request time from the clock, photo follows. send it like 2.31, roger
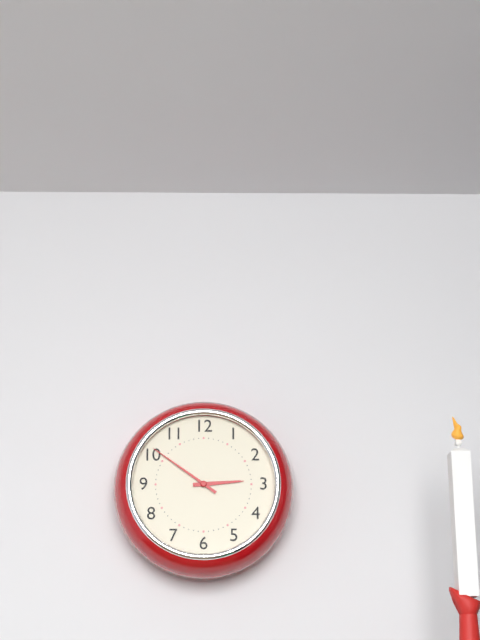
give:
2.51
